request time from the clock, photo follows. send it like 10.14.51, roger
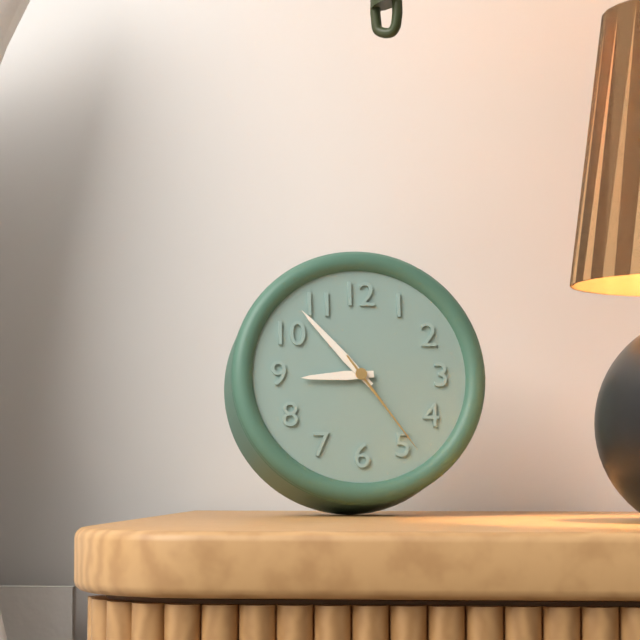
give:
8.53.24
